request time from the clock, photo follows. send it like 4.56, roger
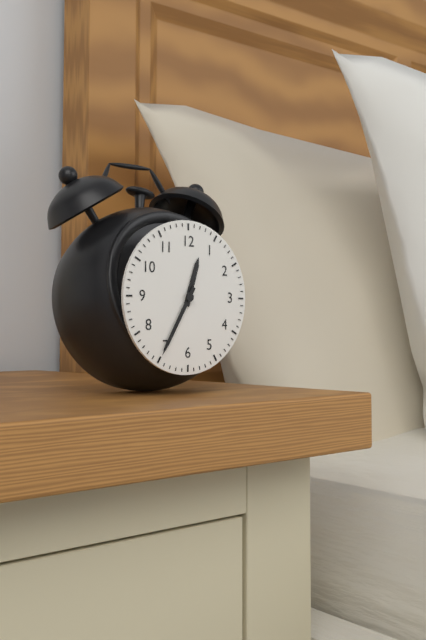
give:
12.35
